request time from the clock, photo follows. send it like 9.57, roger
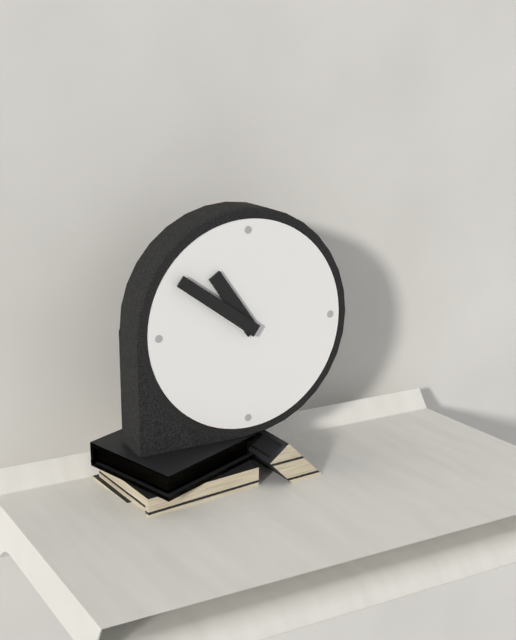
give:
10.51
